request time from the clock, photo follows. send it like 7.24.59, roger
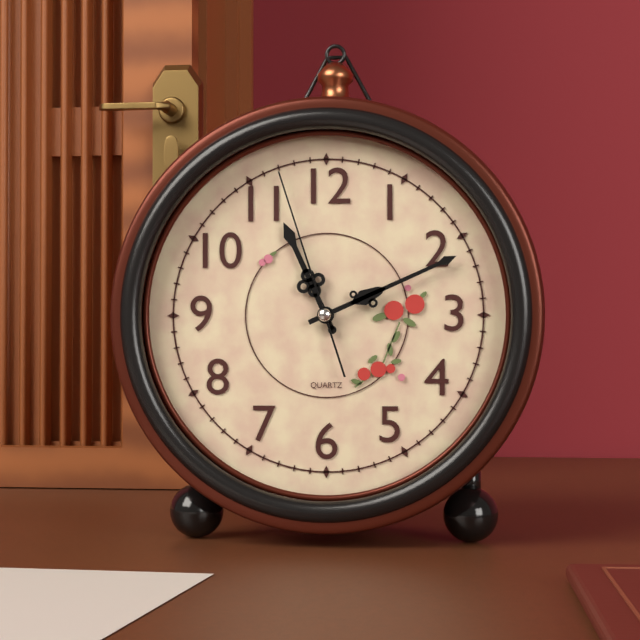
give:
11.11.57
